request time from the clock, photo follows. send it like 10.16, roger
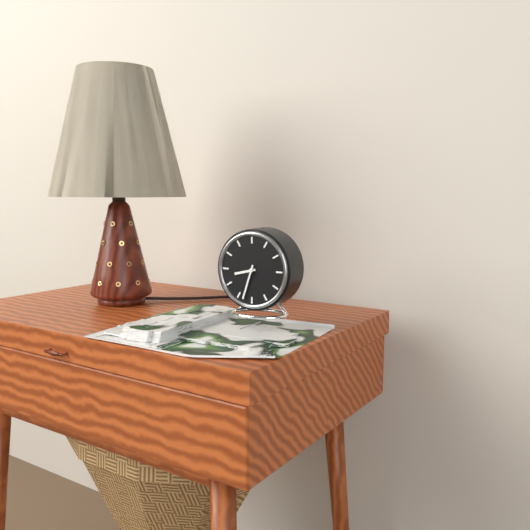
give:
8.33
